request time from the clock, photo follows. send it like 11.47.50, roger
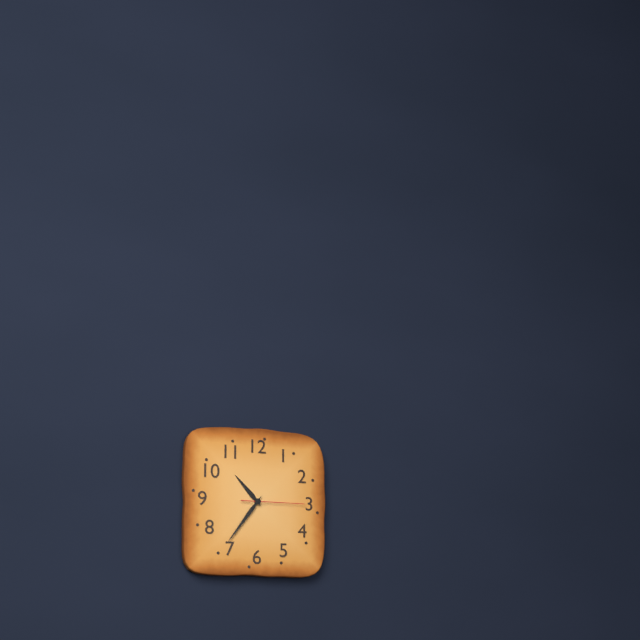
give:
10.36.15
